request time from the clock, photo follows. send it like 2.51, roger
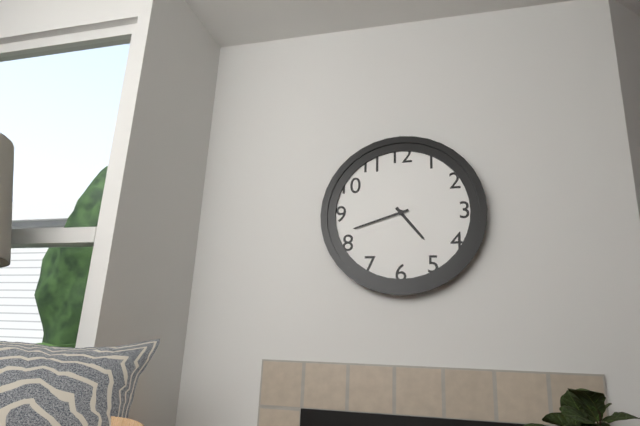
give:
4.42
